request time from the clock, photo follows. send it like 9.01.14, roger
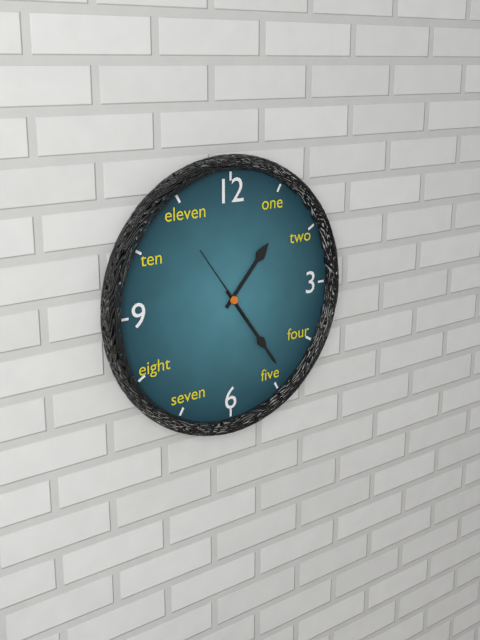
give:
1.24.54
